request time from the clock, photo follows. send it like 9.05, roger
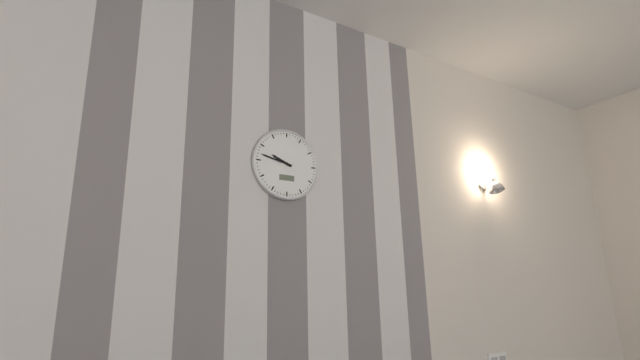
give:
9.47
